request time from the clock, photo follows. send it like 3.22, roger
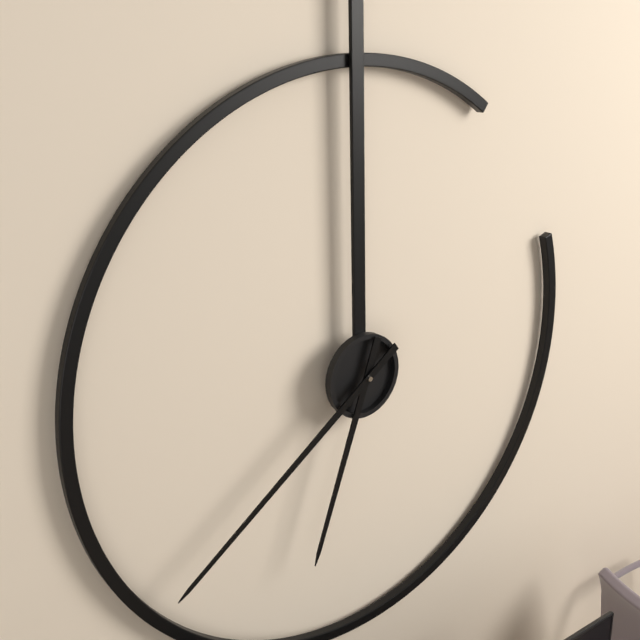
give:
6.39
